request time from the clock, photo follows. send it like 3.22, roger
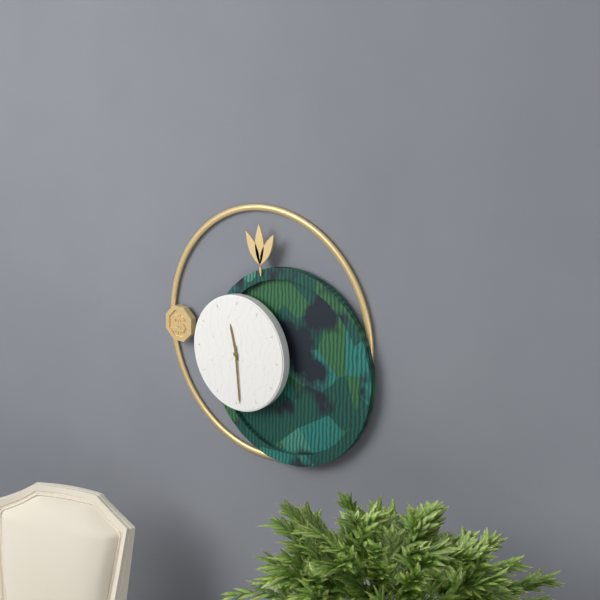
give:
11.29
